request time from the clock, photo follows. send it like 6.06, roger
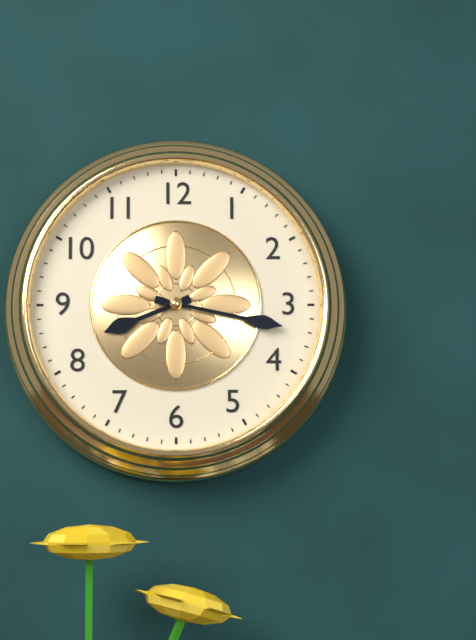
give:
8.17
